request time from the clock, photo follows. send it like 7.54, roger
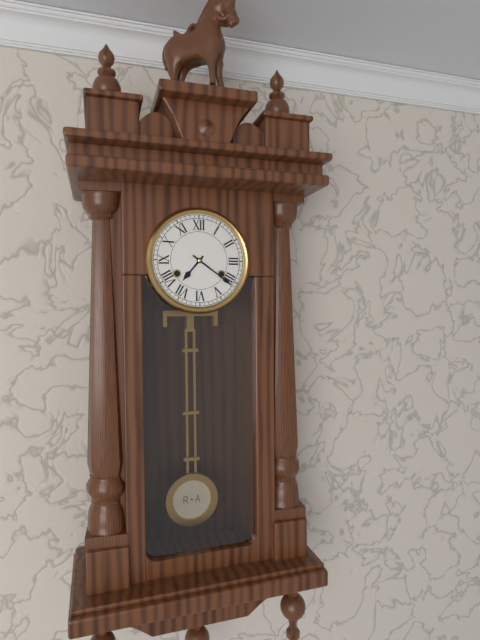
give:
7.21
